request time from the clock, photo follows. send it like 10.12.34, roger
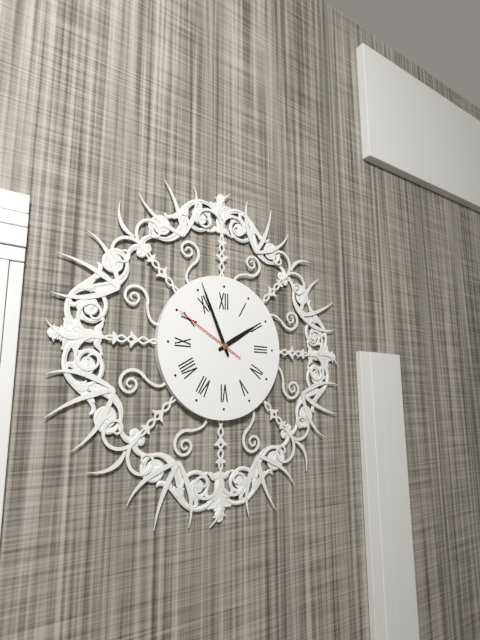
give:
1.56.50
